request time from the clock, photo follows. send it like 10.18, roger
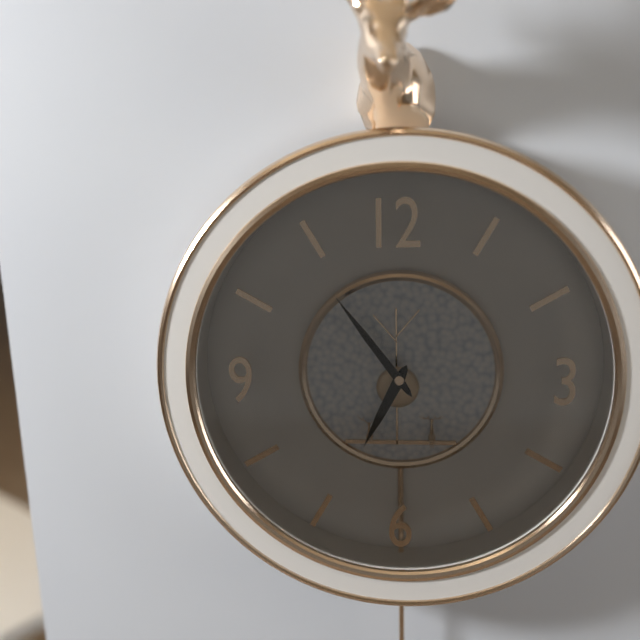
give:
6.54
